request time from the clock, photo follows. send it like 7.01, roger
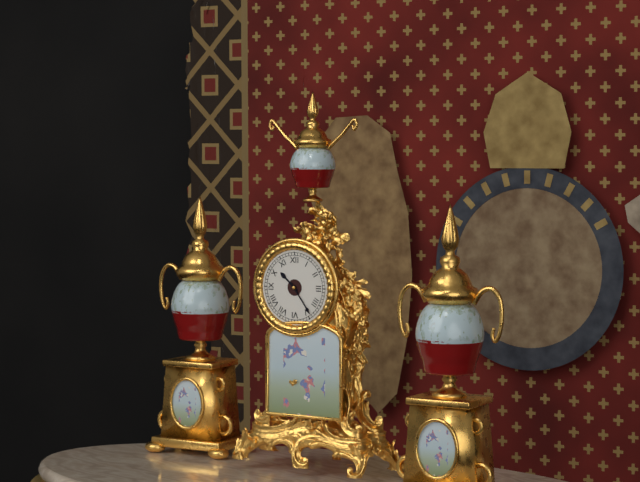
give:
10.24
